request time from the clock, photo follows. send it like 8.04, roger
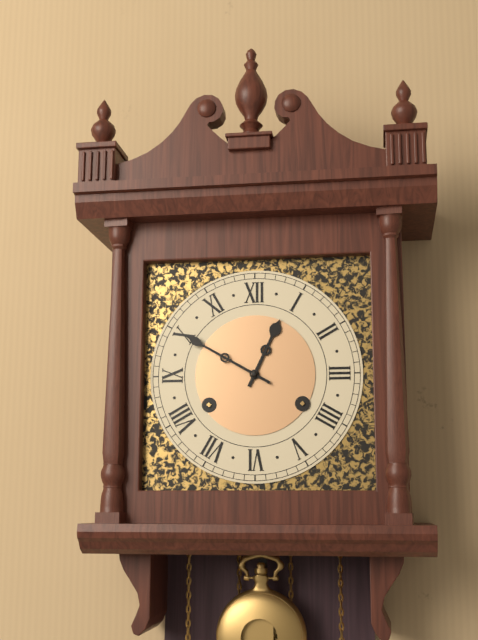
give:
12.50
